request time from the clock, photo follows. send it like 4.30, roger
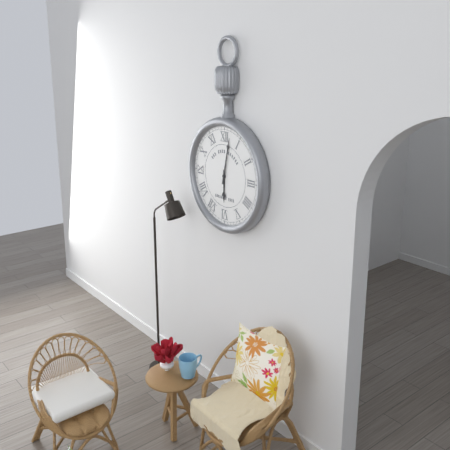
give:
6.02
